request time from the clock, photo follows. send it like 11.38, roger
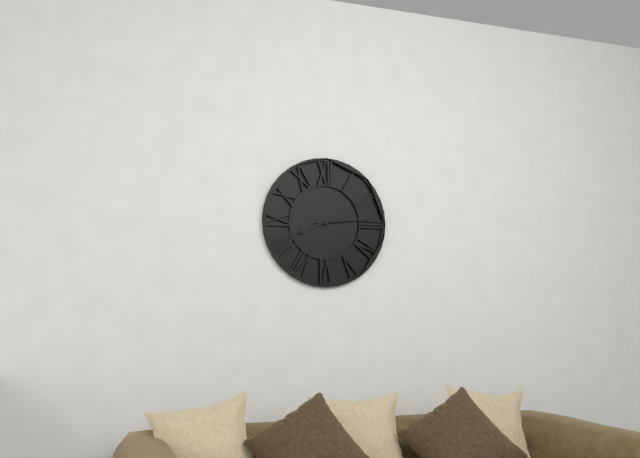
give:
8.14
